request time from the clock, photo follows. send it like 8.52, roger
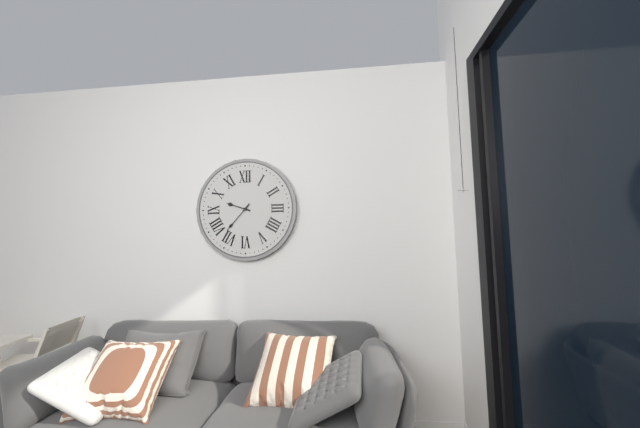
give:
9.37
